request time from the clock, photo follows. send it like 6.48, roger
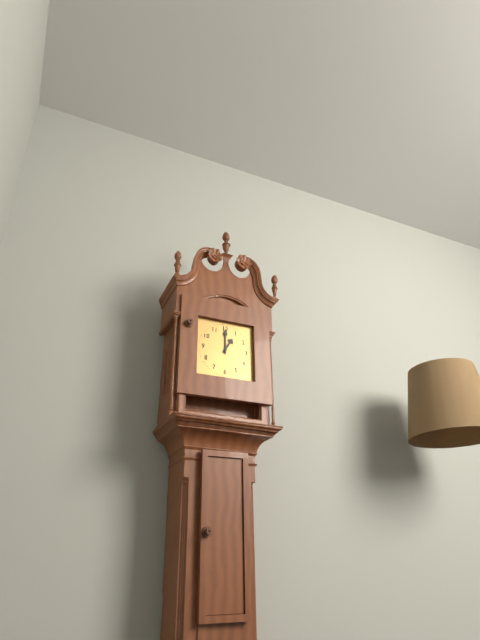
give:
1.00
